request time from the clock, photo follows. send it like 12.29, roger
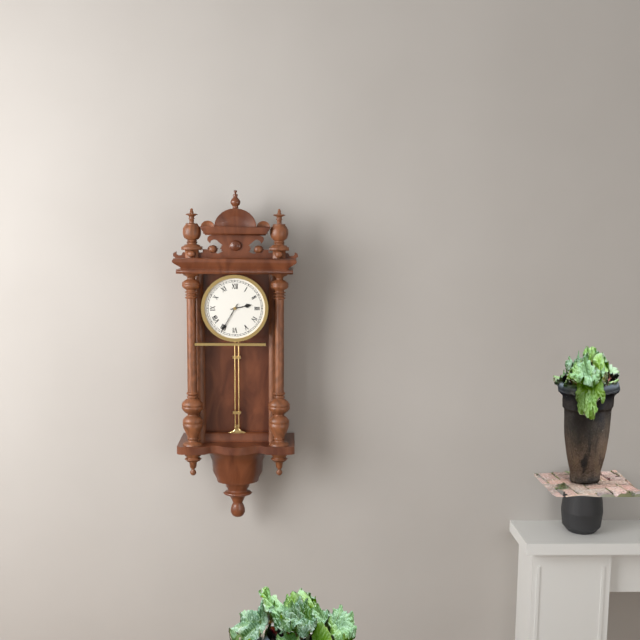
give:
2.35
